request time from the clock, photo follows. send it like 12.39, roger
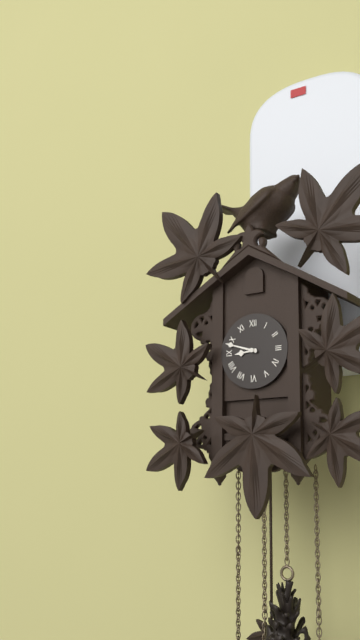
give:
8.48
